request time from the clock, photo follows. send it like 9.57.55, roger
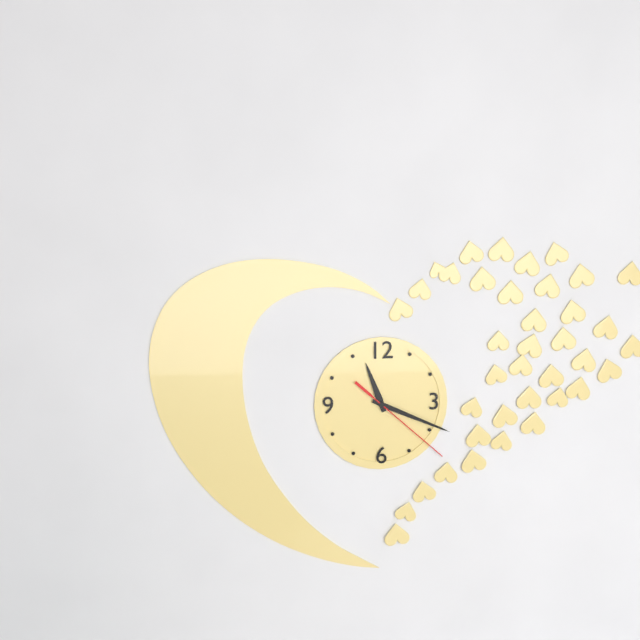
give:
11.19.22
